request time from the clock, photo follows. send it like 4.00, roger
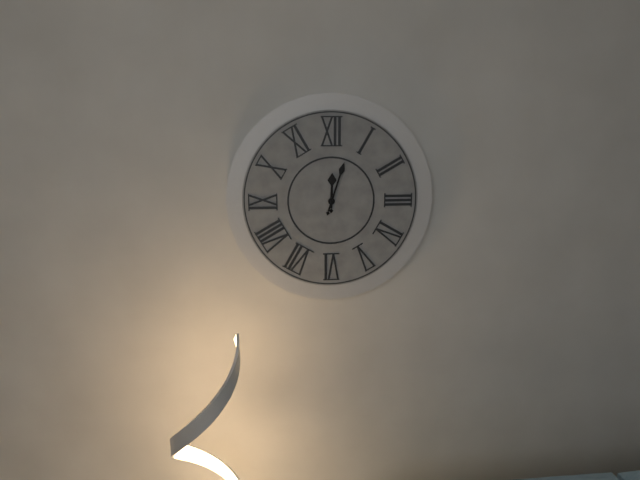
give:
12.03
